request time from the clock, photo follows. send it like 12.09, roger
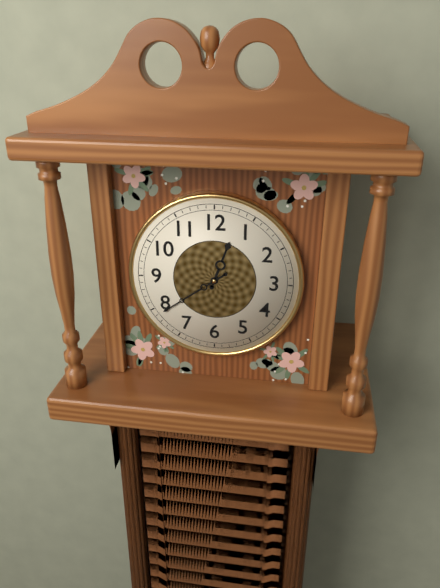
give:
12.39
